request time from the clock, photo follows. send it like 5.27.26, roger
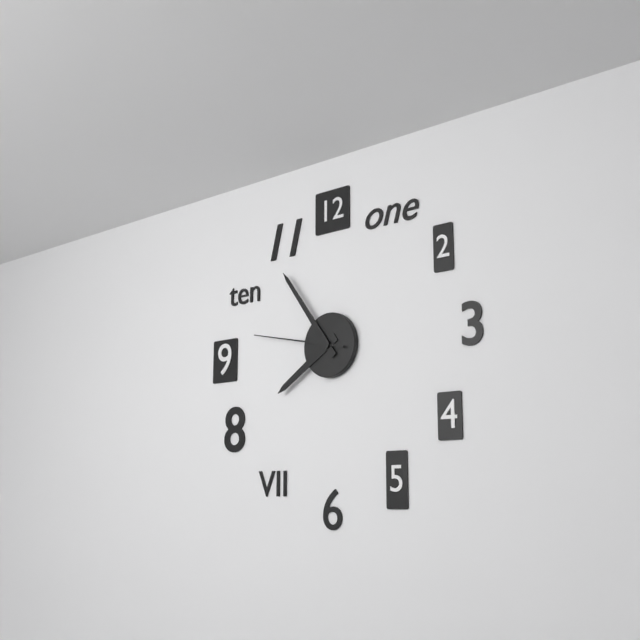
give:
7.54.47
